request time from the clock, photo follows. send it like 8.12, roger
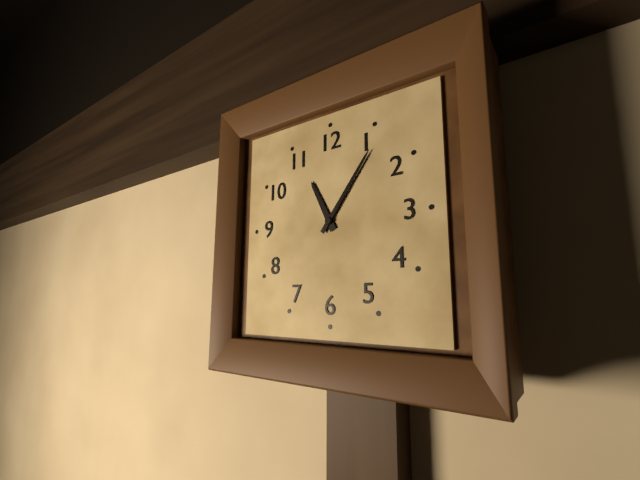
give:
11.06
